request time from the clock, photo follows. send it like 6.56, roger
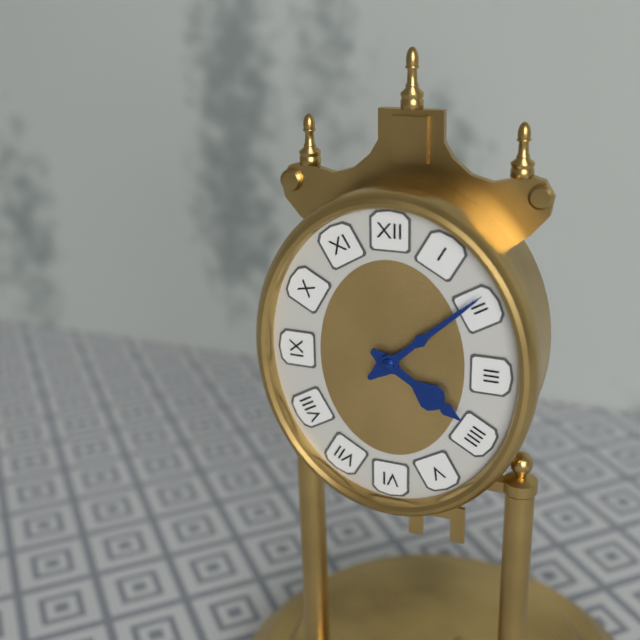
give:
4.08
